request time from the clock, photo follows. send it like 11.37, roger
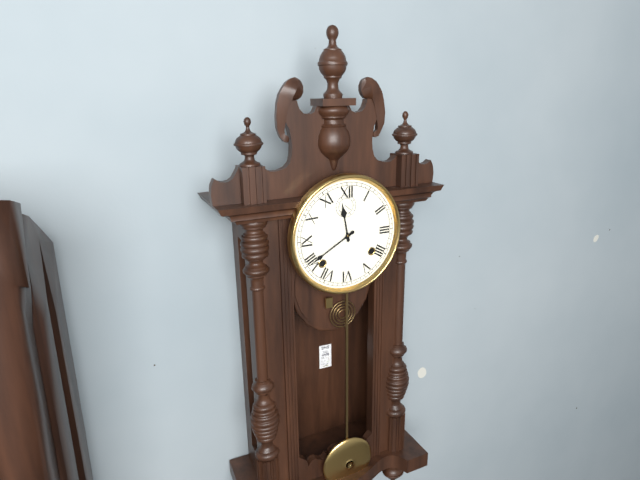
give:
11.40
